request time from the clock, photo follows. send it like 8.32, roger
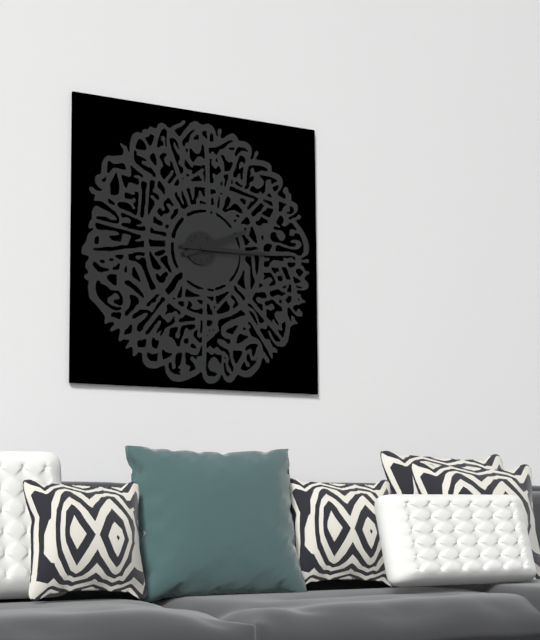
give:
2.15
